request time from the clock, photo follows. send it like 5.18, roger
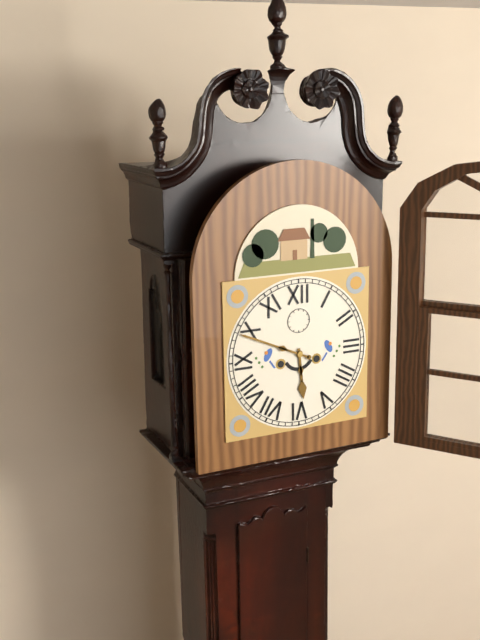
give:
5.49
